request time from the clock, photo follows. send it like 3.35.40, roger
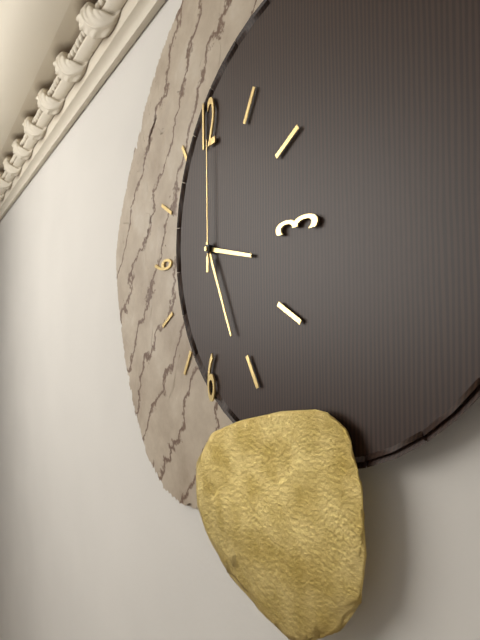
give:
3.26.00
